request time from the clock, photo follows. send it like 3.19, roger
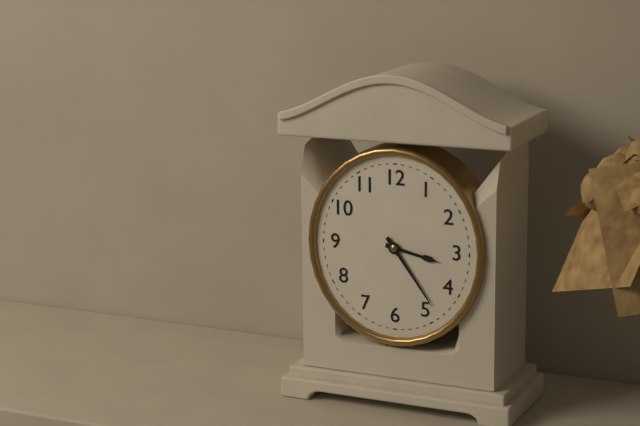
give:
3.24
